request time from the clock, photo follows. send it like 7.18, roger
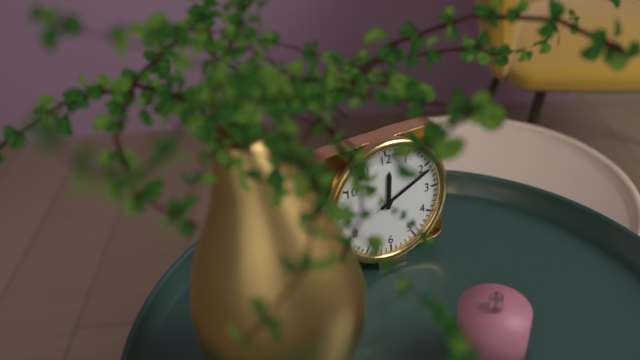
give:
12.11
